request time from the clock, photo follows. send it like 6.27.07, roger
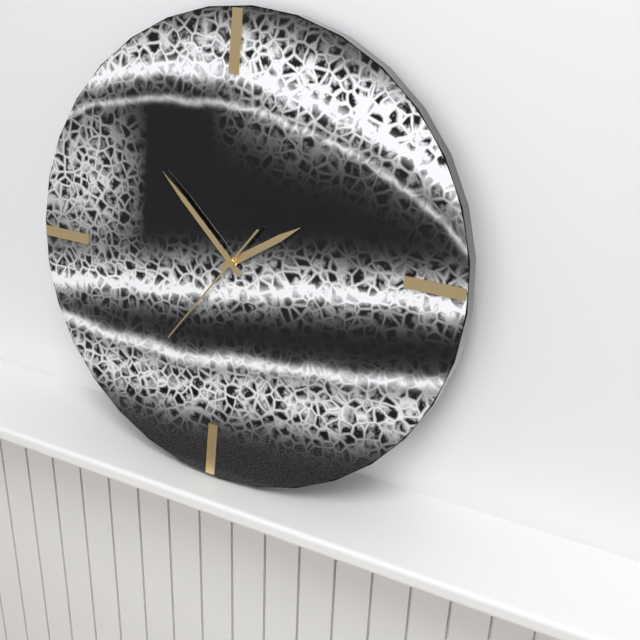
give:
1.52.36
